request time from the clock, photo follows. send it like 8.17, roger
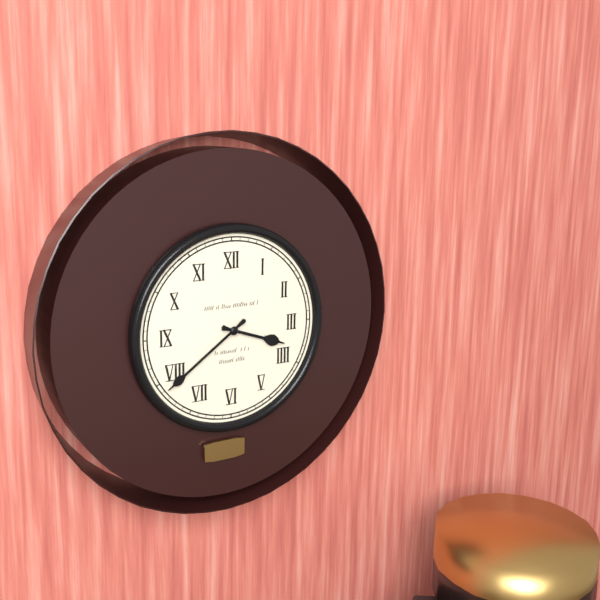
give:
3.39
